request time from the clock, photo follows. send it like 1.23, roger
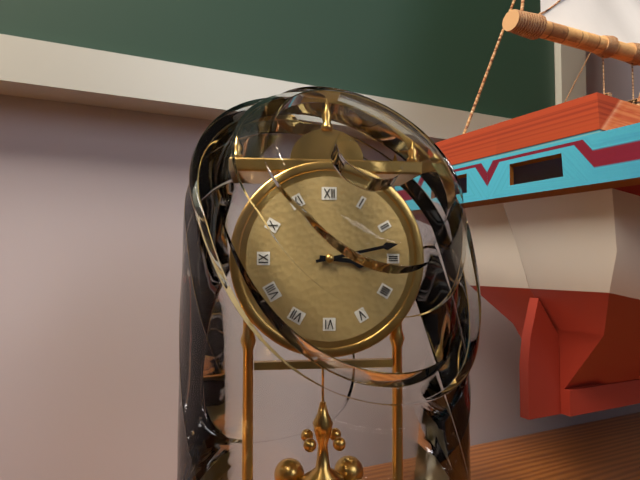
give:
3.13
